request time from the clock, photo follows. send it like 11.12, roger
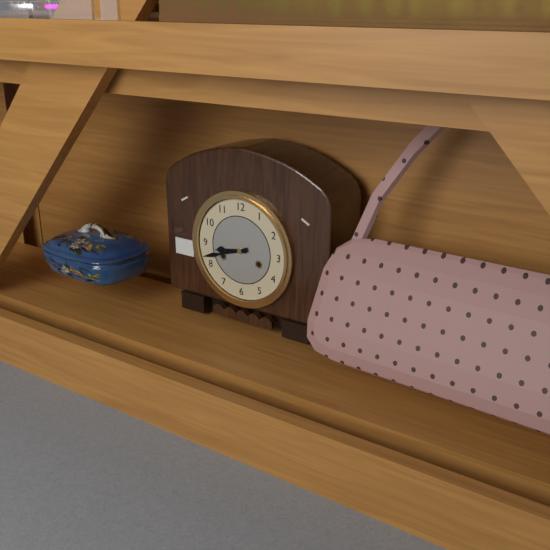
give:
8.42
